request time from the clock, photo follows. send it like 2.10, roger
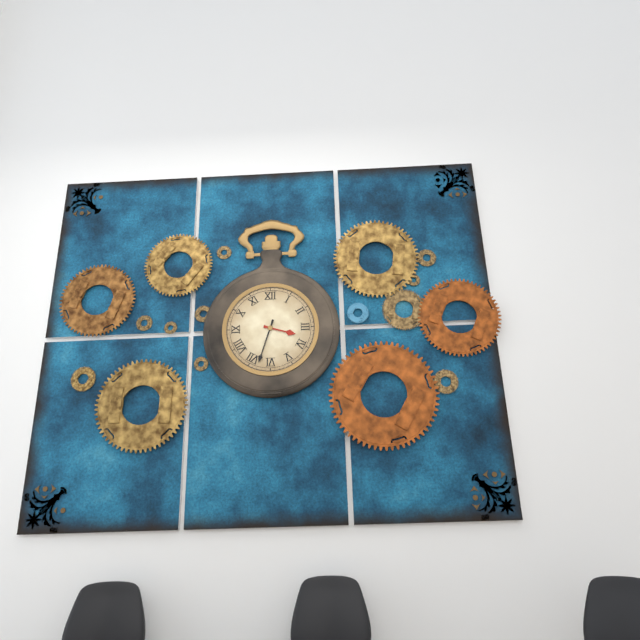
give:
3.33
